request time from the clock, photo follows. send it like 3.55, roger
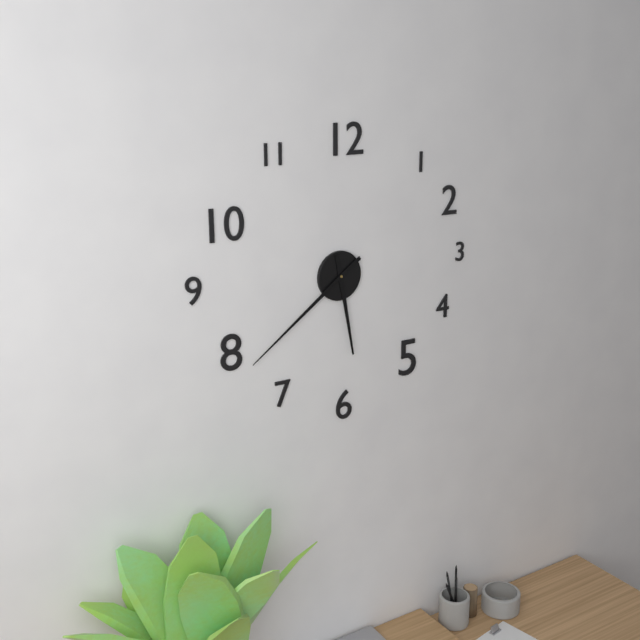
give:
5.39
